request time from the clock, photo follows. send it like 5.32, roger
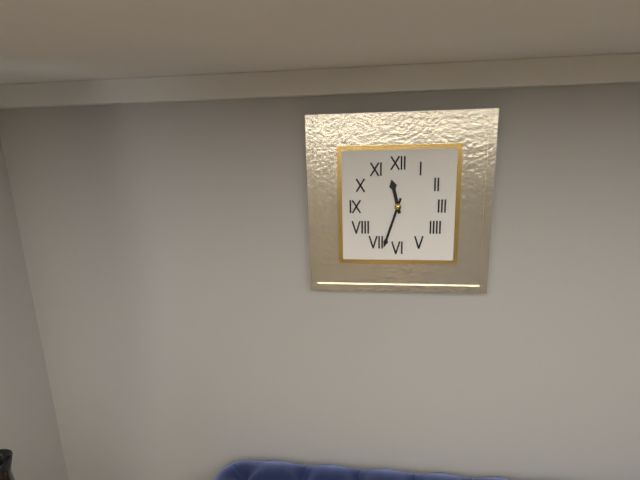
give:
11.33
